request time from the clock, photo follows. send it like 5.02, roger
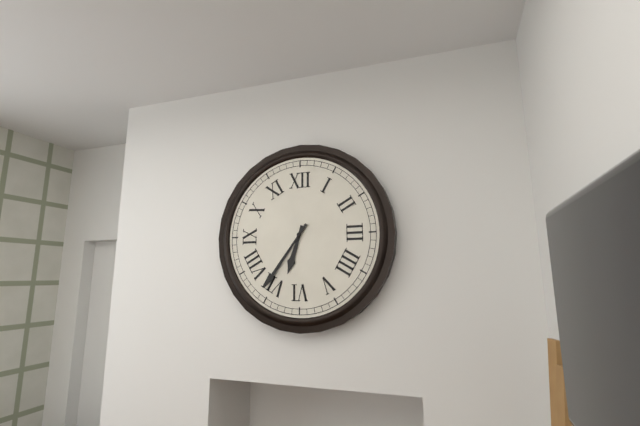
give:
6.36
